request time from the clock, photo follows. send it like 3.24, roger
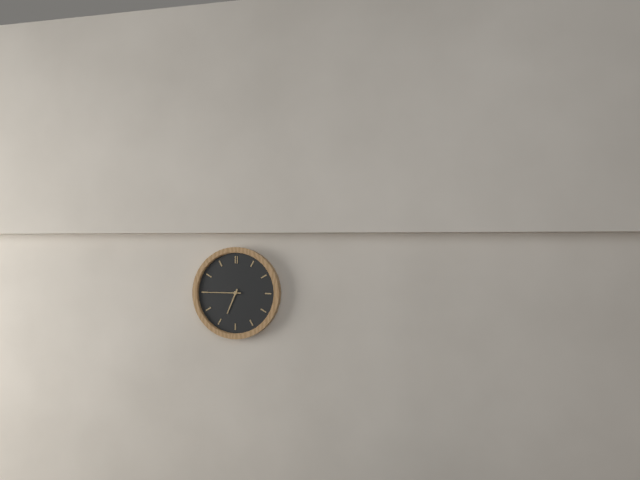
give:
6.45
